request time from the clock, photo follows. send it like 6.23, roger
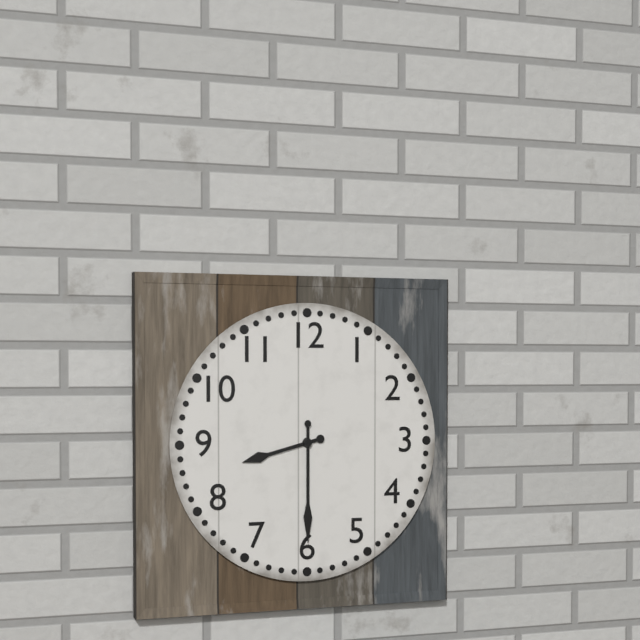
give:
8.30
